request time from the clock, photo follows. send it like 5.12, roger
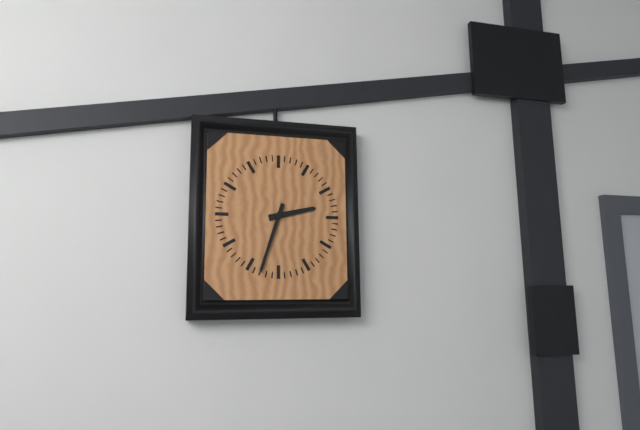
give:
2.33
